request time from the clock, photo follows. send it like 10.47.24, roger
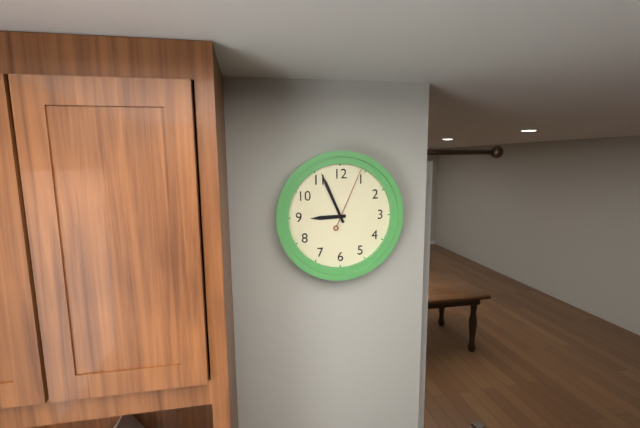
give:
8.56.04
